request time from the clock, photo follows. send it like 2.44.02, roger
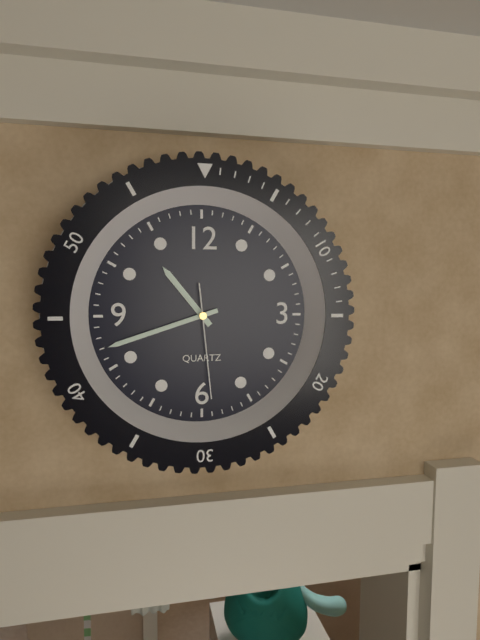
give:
10.42.29
